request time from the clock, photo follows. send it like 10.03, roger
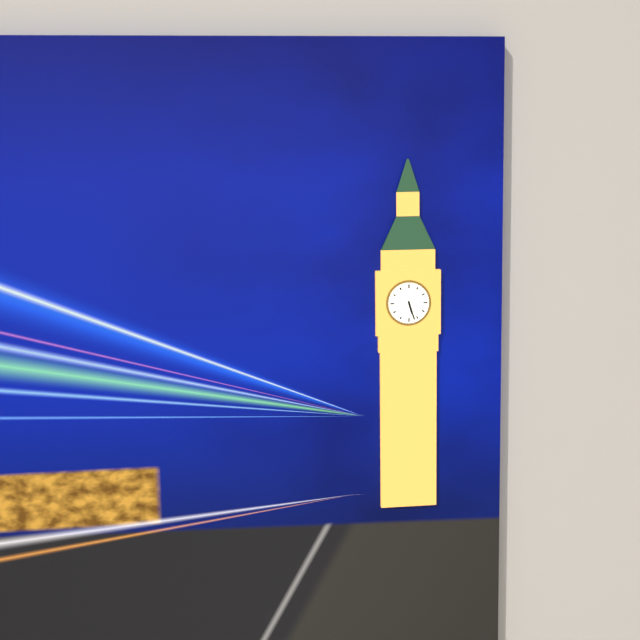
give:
5.27
